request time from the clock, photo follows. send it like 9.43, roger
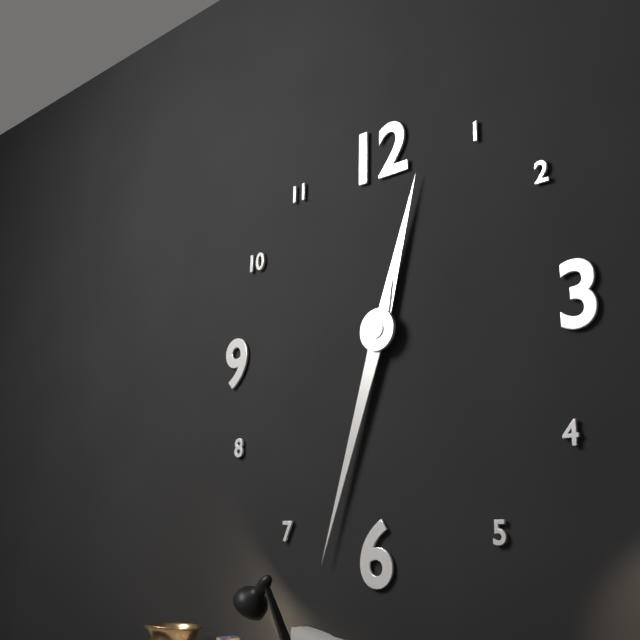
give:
12.33
